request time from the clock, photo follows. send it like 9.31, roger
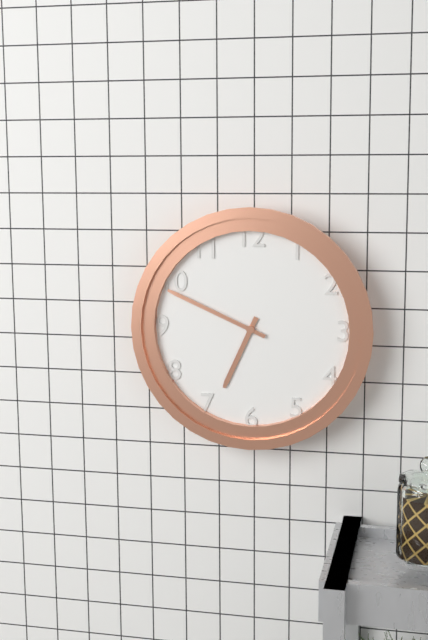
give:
6.49
